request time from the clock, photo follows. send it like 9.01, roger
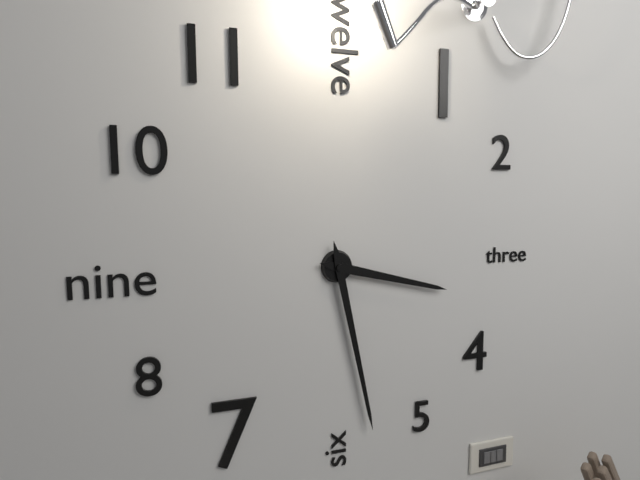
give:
3.28
